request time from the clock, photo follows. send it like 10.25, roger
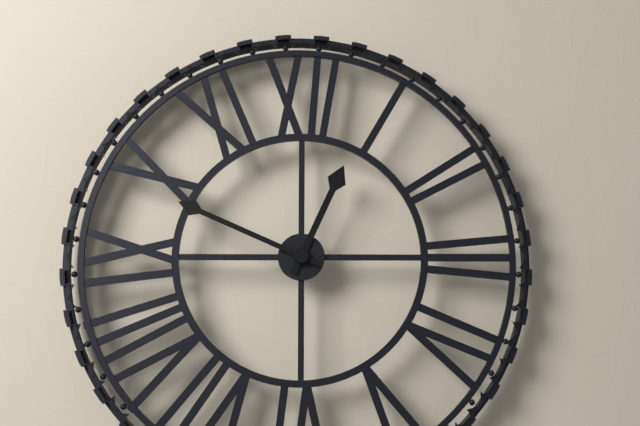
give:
12.49
